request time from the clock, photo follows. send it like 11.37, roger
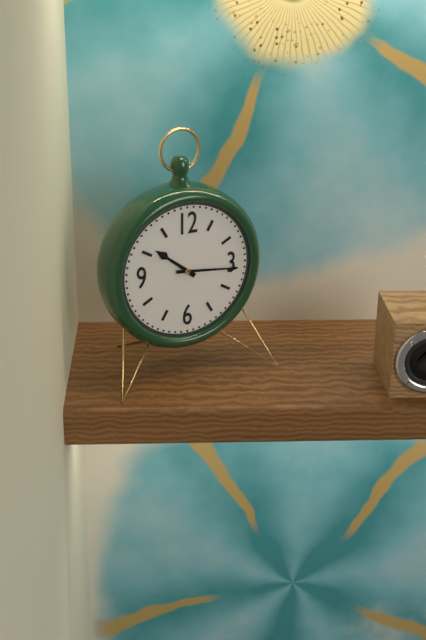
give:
10.16
